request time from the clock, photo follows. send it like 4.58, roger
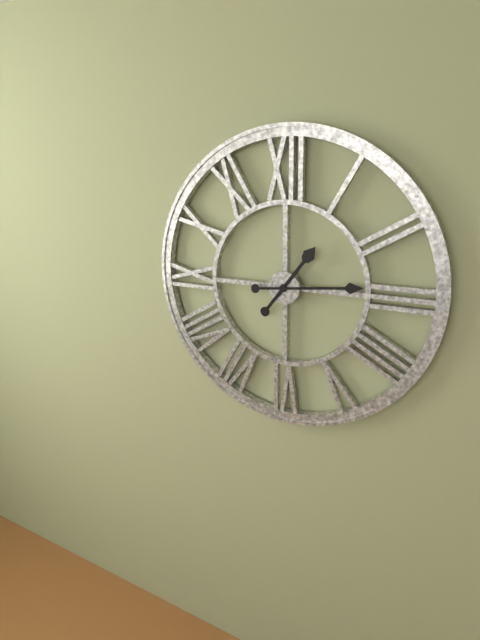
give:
1.14
